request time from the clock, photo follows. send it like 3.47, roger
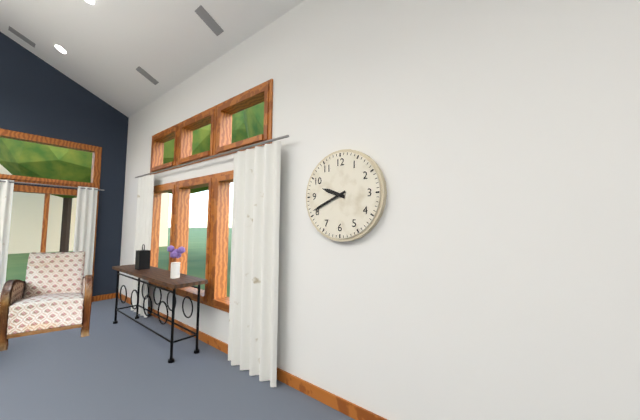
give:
9.41
